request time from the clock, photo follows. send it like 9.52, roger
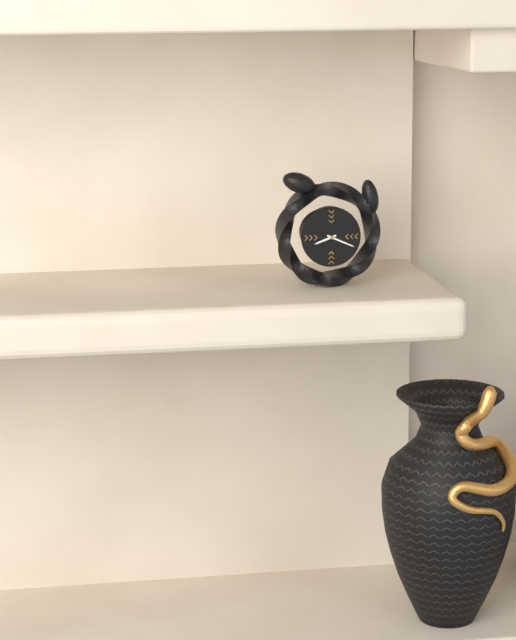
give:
8.19
